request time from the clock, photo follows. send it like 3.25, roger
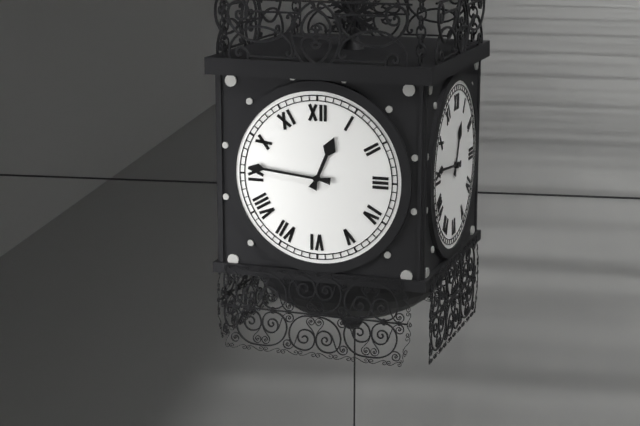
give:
12.46
